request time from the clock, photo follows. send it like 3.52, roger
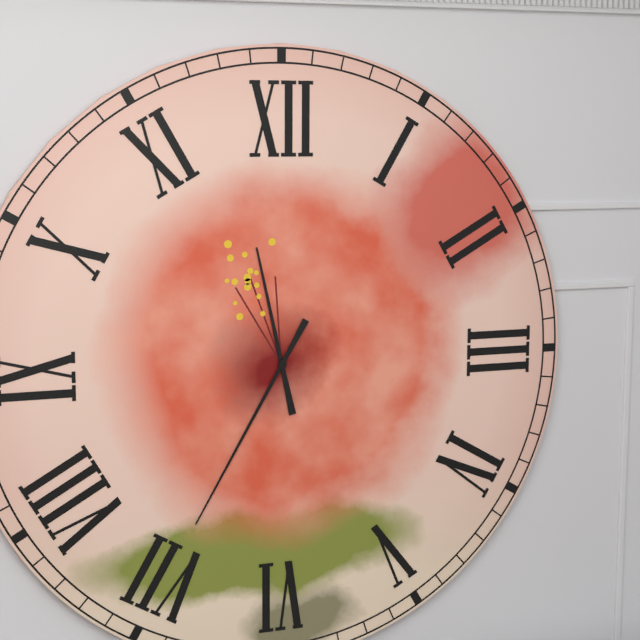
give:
11.35
